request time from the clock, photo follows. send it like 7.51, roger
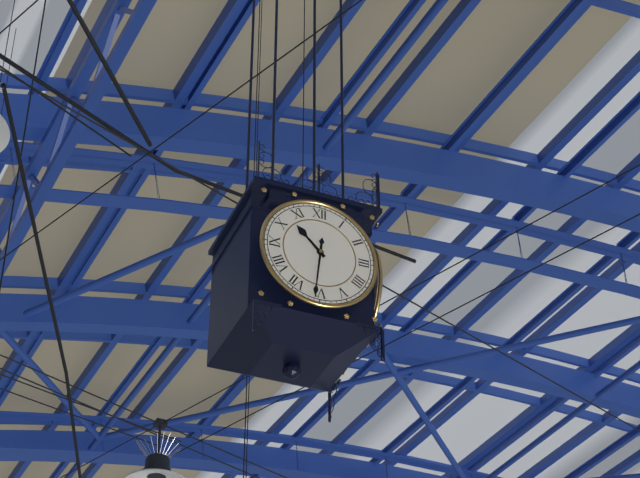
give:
10.31
